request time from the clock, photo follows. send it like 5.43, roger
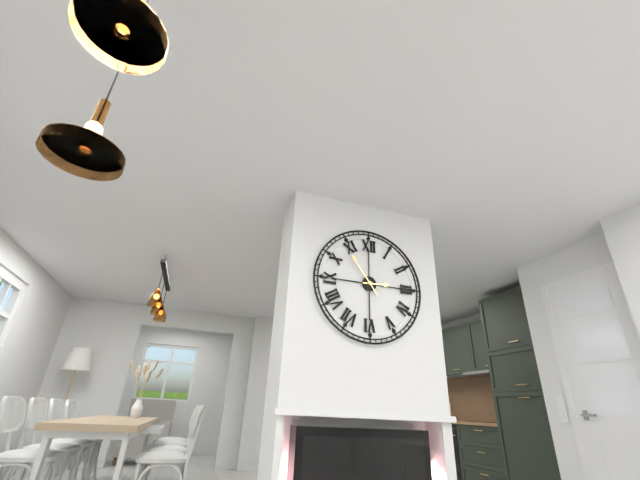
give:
2.54
